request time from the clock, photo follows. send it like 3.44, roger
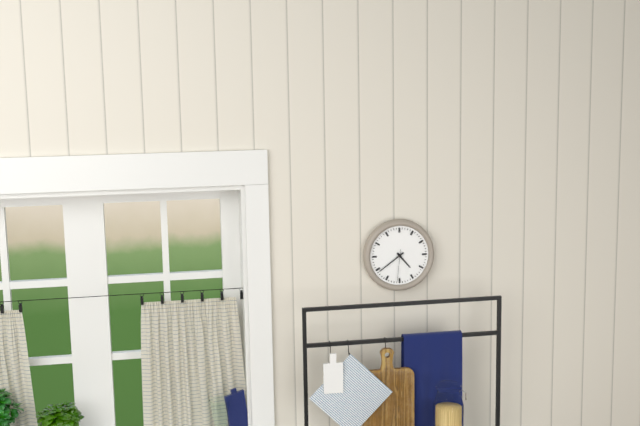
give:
4.39
